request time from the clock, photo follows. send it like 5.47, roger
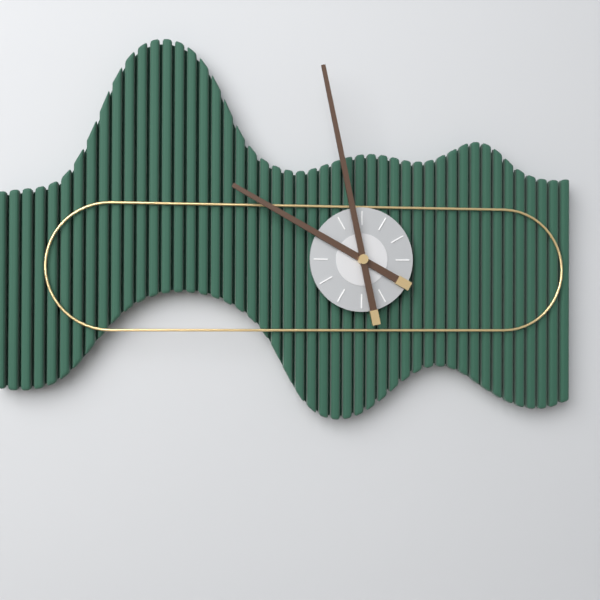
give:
9.58
